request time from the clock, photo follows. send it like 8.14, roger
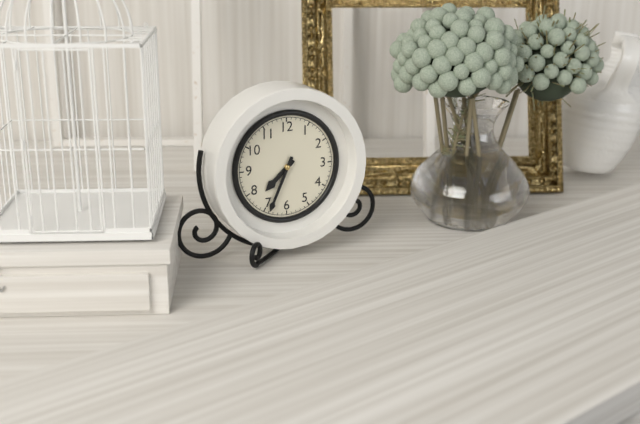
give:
7.34
